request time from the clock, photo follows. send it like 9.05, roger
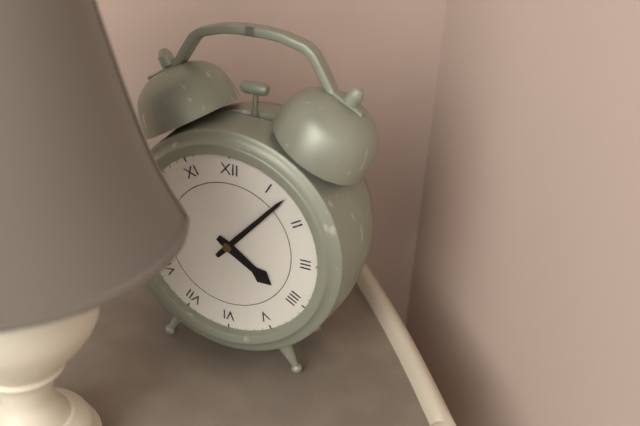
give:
4.07
